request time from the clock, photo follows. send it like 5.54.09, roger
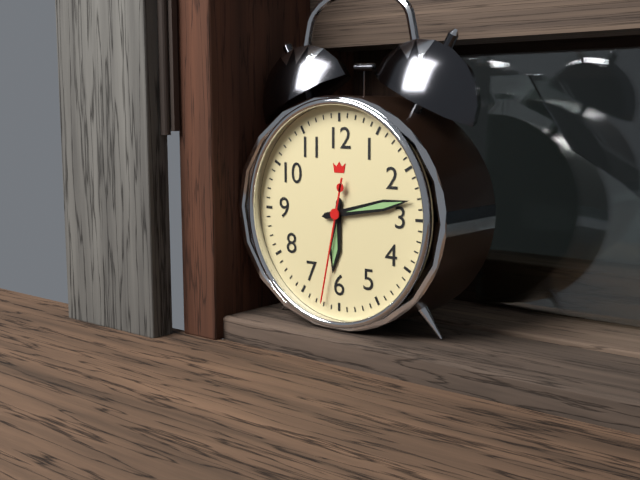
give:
6.13.32
